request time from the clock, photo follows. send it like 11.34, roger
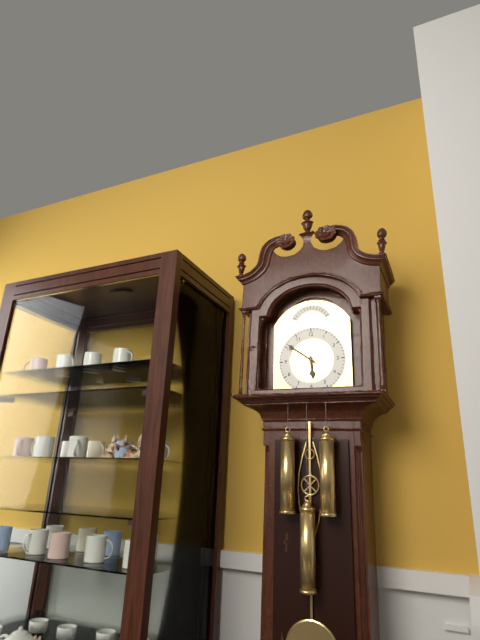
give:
5.51
